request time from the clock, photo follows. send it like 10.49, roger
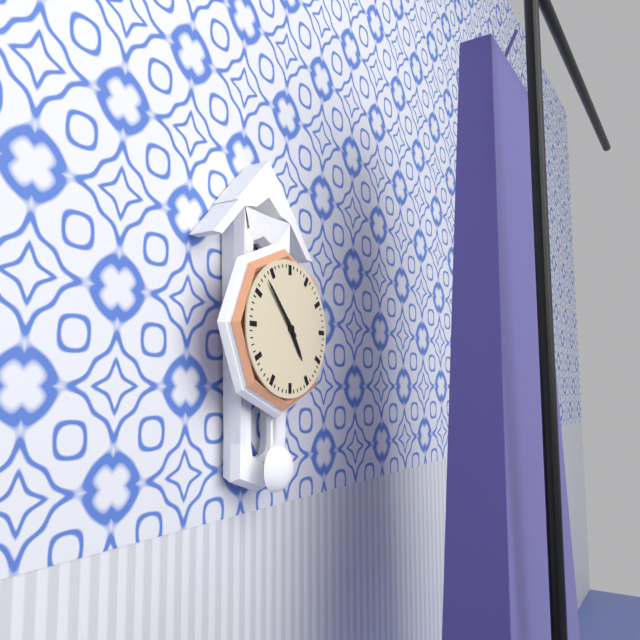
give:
4.53
